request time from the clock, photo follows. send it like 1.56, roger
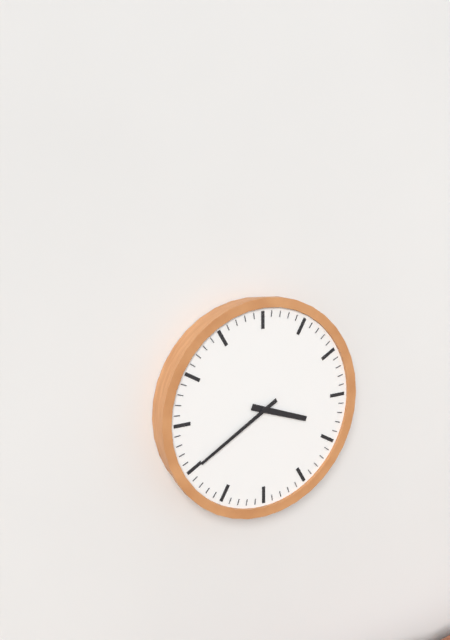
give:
3.40
